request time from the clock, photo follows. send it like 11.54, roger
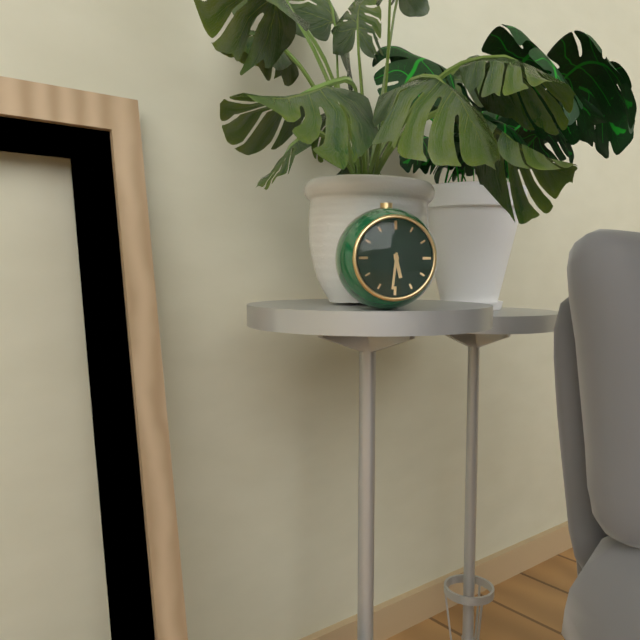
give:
5.31
